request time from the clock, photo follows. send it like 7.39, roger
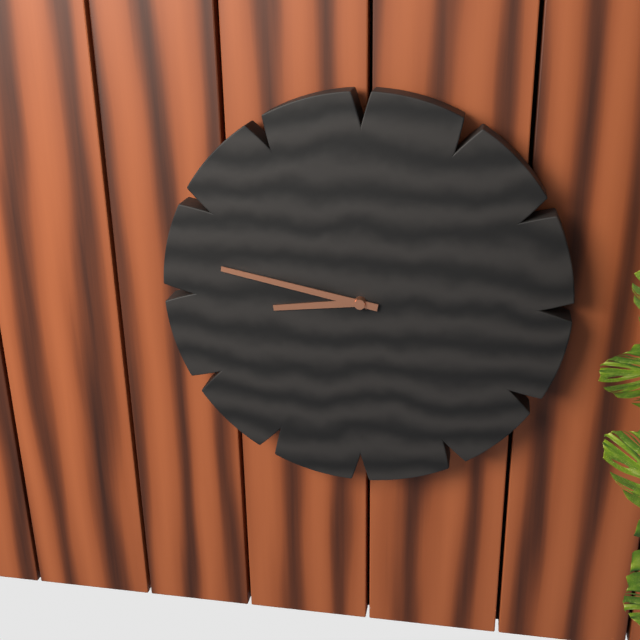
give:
8.47
